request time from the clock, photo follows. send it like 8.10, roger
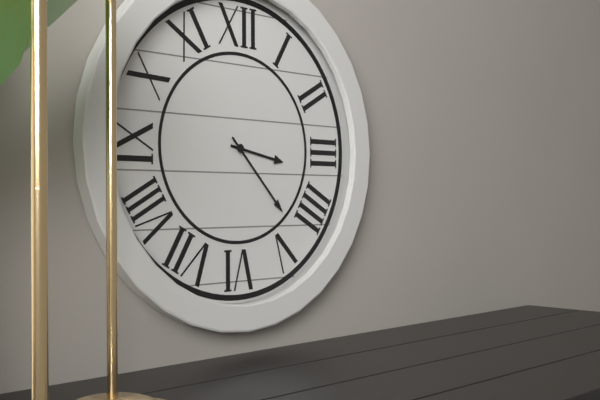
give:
3.23
